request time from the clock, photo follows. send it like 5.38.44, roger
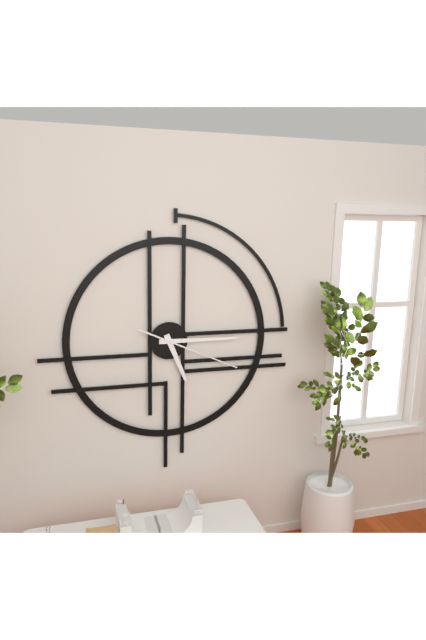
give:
5.15.19
